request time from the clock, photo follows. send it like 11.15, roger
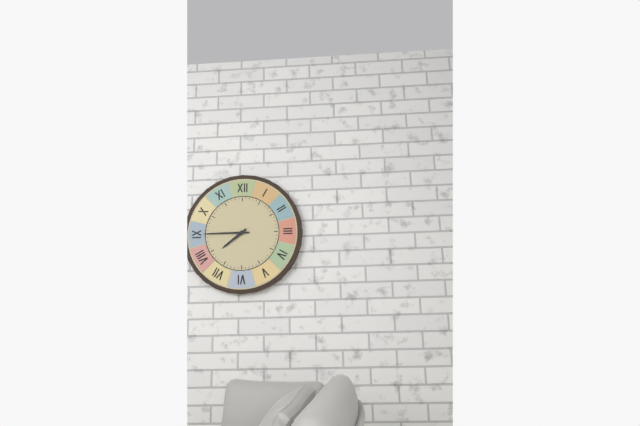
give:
7.45
